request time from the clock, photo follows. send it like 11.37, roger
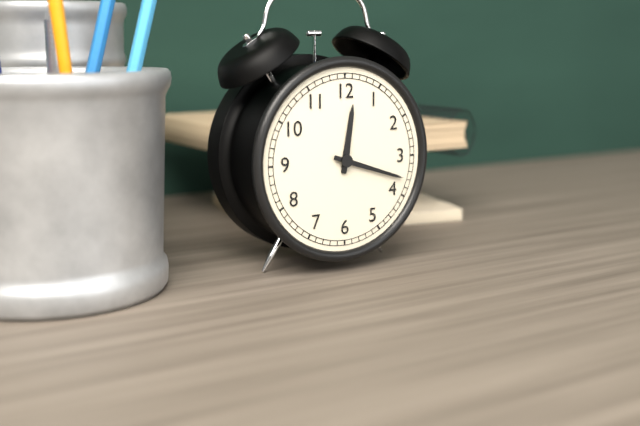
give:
12.18
